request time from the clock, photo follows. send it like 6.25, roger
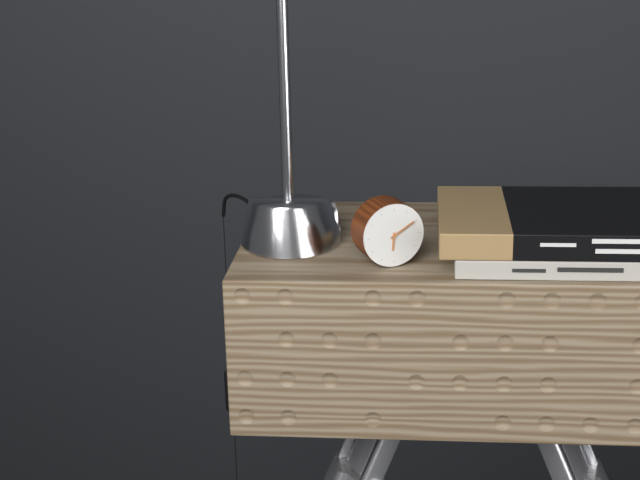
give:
6.10
